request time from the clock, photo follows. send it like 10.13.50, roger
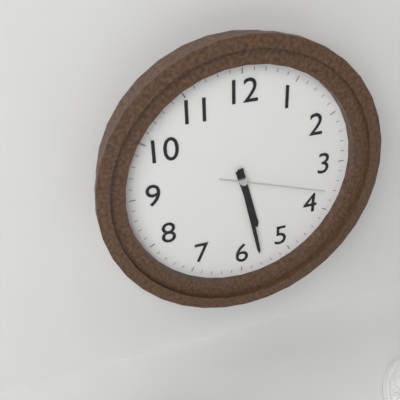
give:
5.28.18
